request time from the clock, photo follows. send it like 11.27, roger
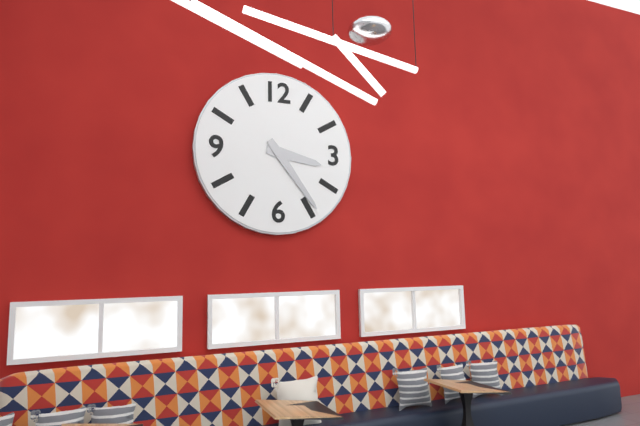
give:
3.24
